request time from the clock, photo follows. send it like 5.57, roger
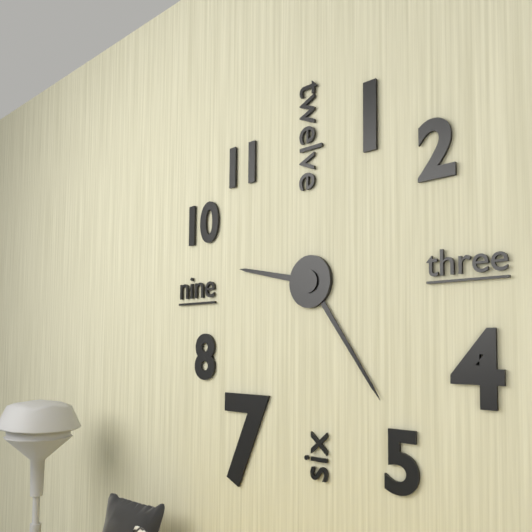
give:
9.24
